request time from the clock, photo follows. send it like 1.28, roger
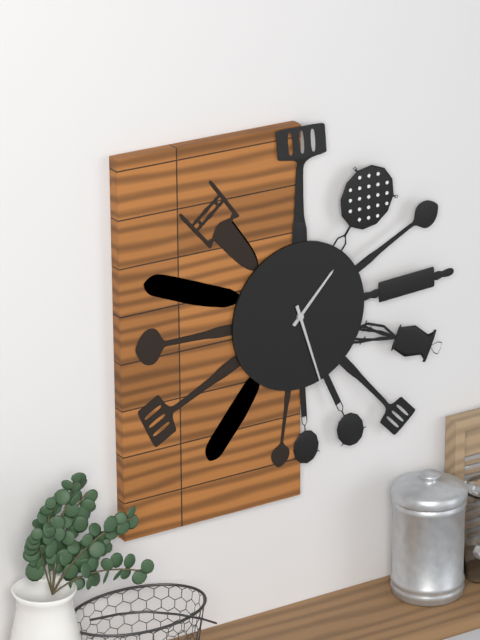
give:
1.27
